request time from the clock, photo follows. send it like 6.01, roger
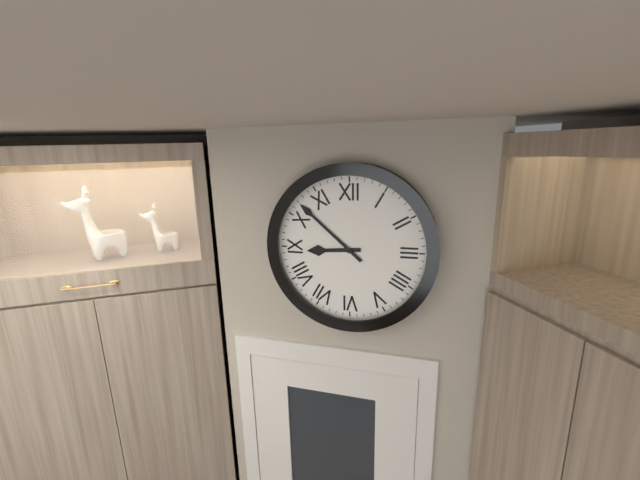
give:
8.52
